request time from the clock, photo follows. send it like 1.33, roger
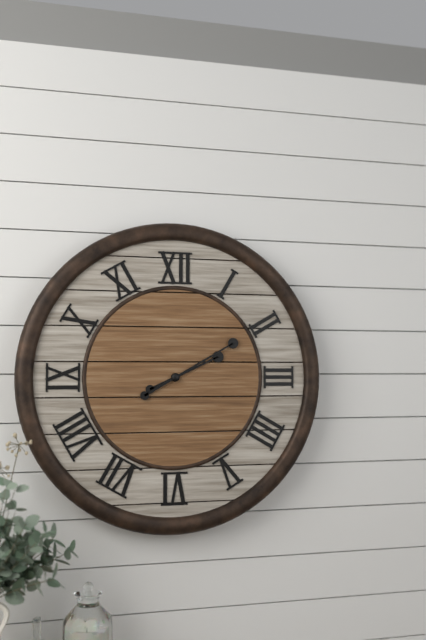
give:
2.10
